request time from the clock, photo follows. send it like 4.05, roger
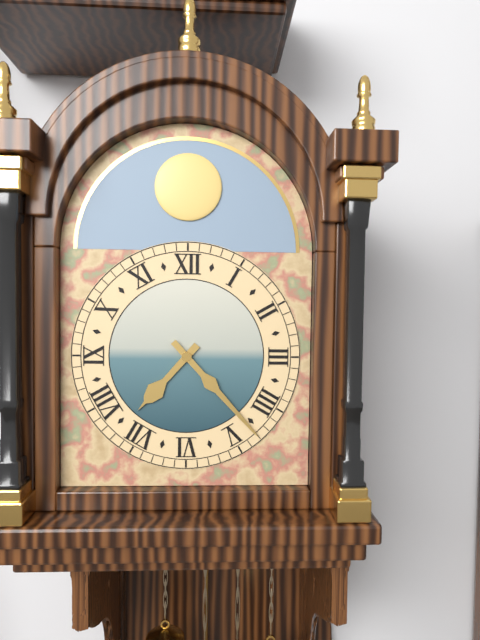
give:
7.23
